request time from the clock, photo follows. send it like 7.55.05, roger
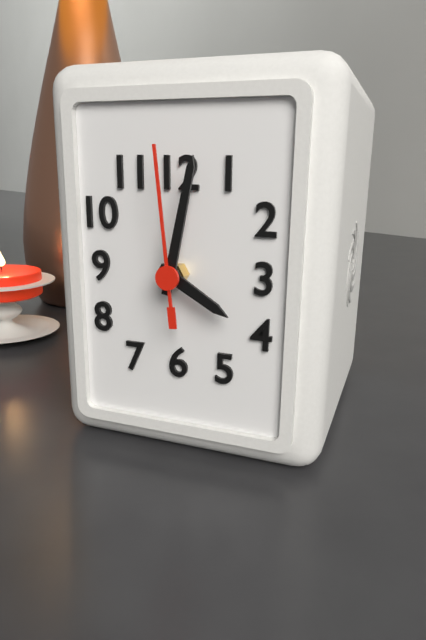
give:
4.02.59
